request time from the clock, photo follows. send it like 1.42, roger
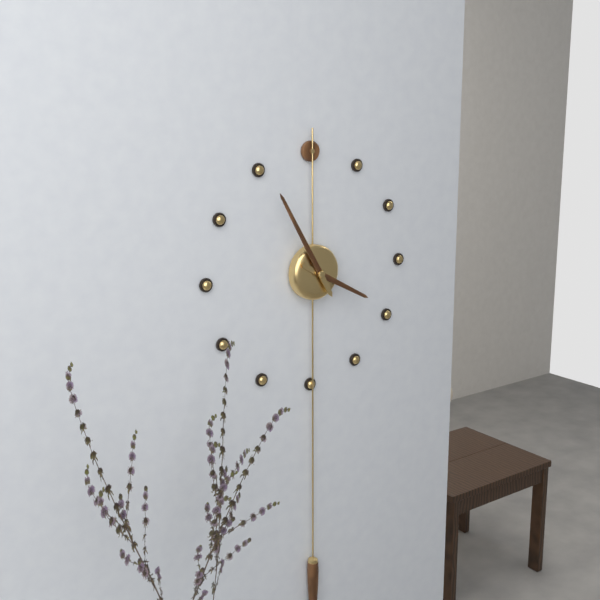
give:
3.55
